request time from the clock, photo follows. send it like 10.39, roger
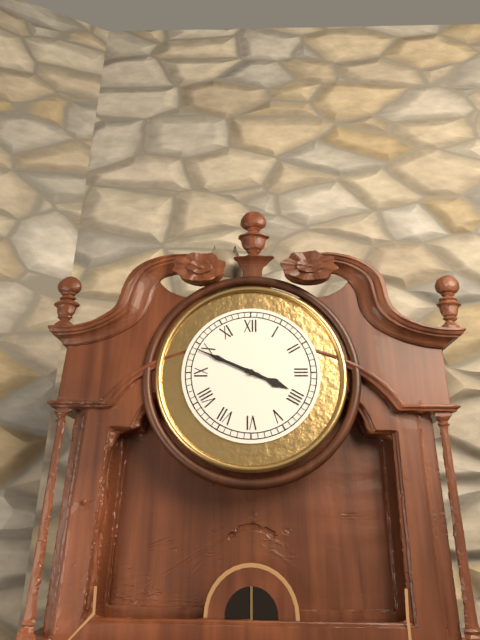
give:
3.49
